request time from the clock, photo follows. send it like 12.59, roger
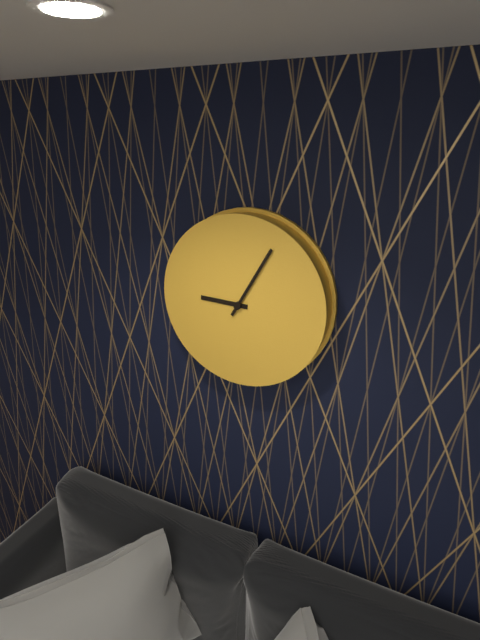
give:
9.05
